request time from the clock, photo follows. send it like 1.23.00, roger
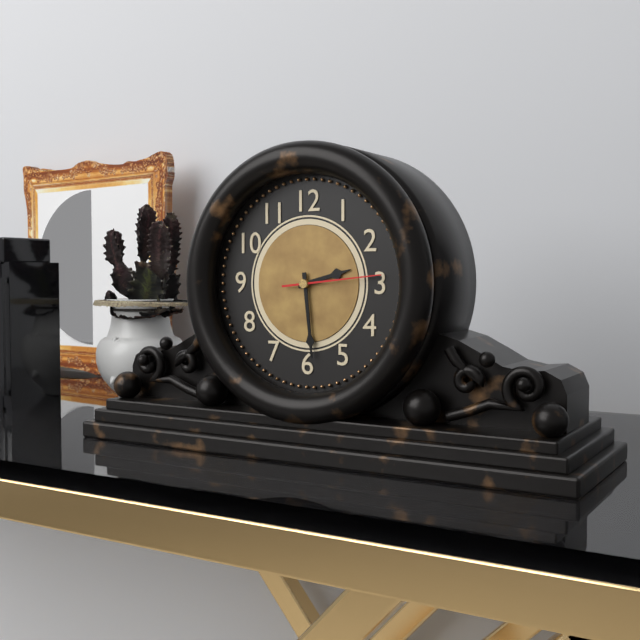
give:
2.29.14
